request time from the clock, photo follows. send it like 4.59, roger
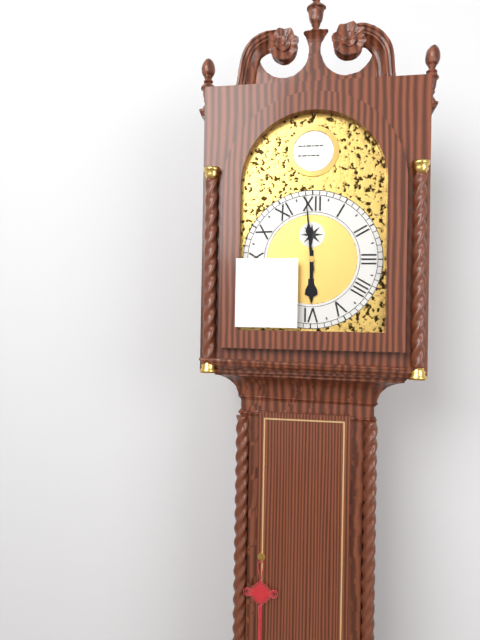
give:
5.59
